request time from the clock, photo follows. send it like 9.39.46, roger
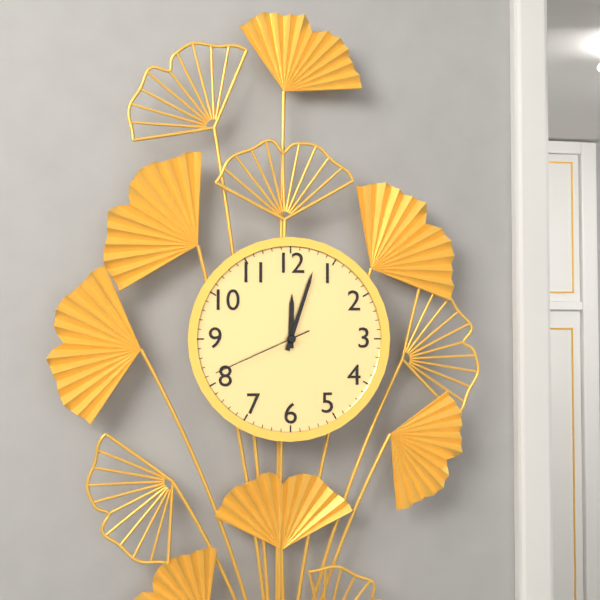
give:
12.03.41
